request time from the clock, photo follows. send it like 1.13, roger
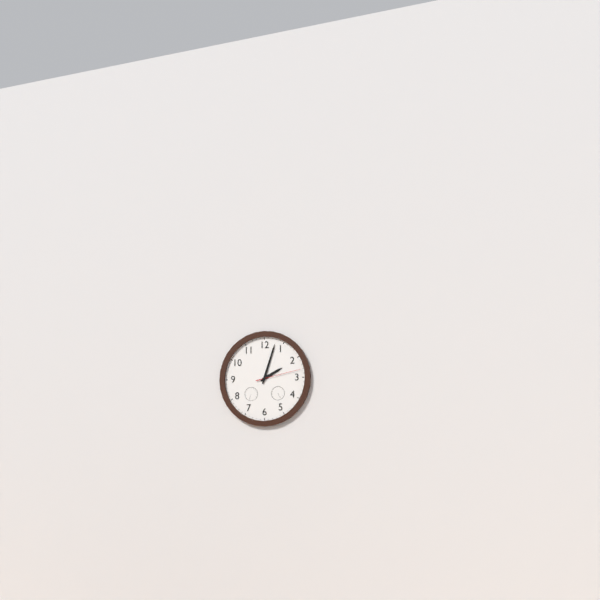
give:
2.03
